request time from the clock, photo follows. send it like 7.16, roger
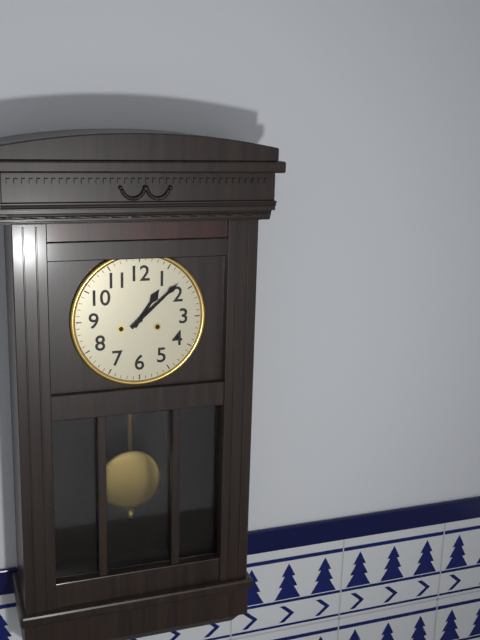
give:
1.08
